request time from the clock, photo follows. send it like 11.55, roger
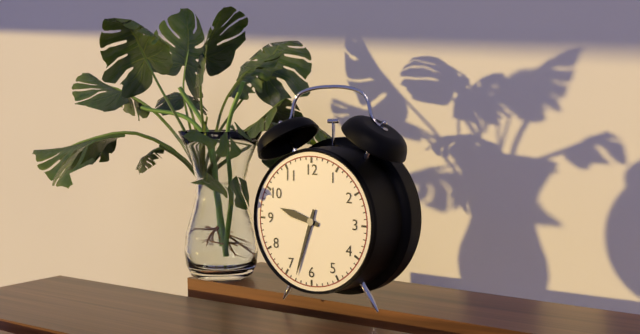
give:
9.33
